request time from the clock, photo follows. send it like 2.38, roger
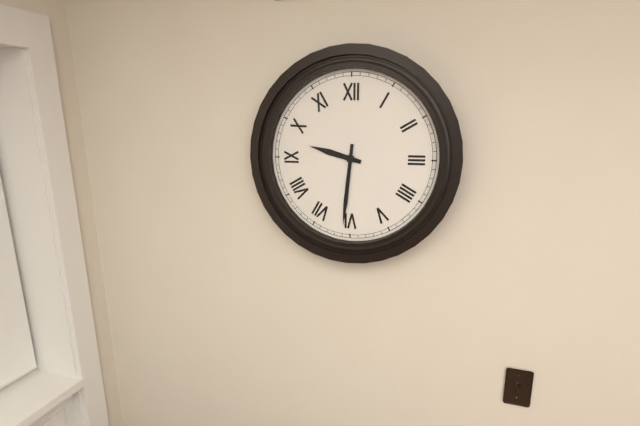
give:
9.31
